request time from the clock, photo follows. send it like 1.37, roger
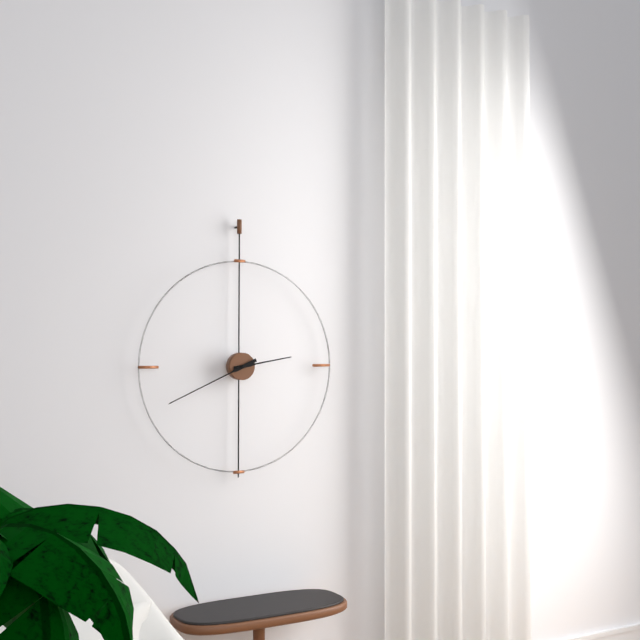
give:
2.41
